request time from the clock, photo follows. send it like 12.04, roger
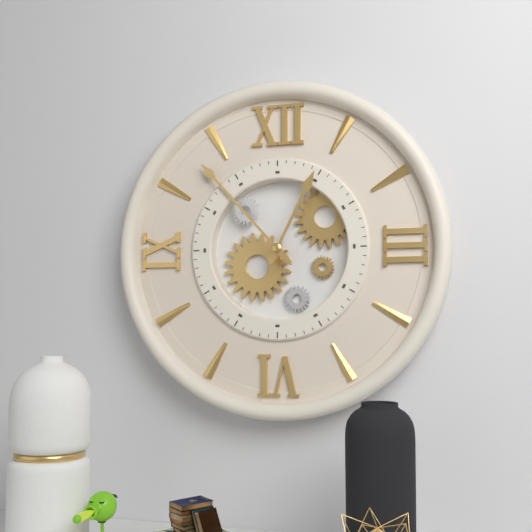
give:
12.53
